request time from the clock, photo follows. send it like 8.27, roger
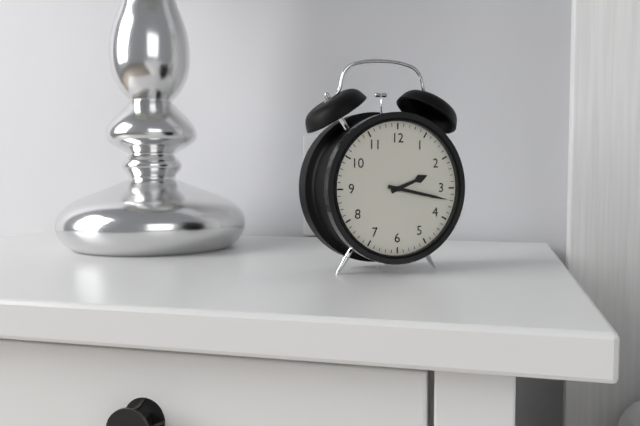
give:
2.17
